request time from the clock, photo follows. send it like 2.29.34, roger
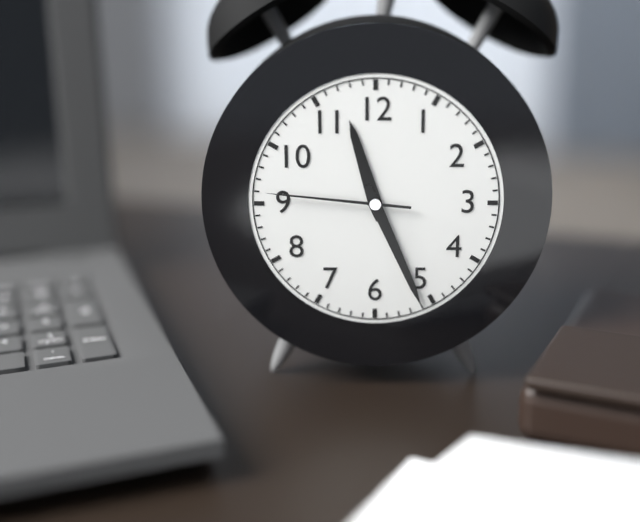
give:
11.26.46
